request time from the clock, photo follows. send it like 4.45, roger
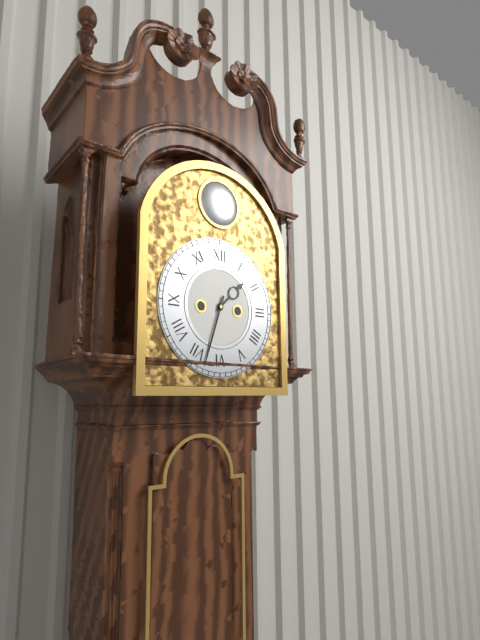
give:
1.33
